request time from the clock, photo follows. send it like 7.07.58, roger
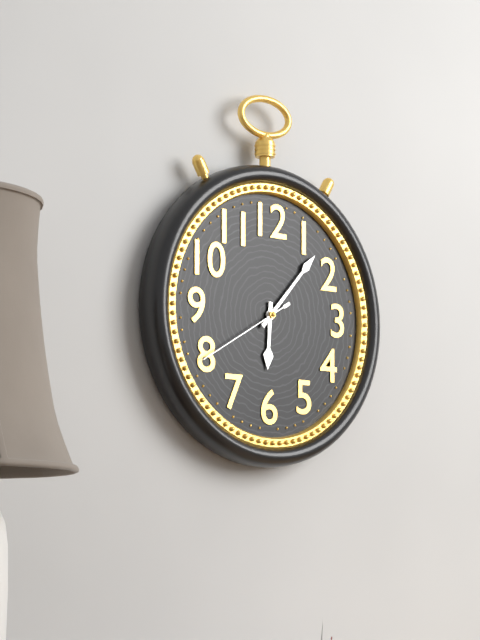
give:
6.07.40
